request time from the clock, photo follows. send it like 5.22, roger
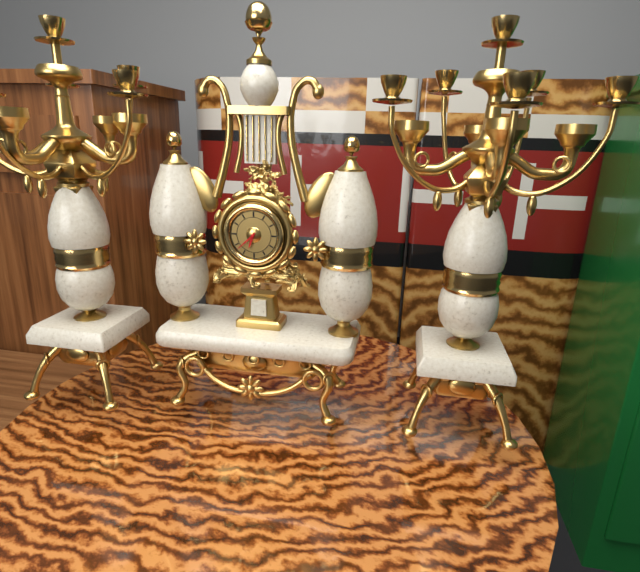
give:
6.38
